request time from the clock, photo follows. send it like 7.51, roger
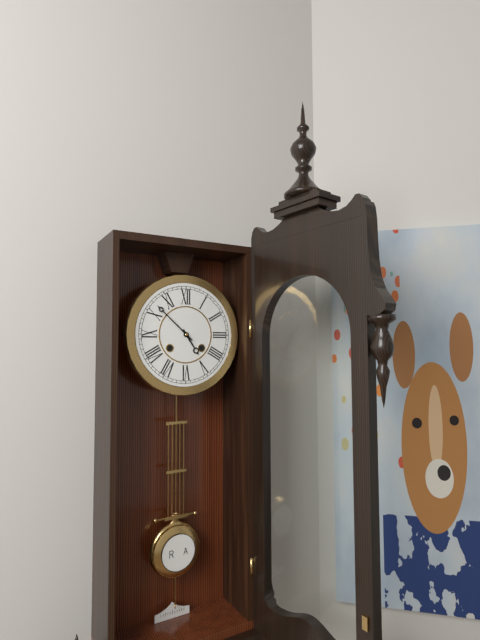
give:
4.52
